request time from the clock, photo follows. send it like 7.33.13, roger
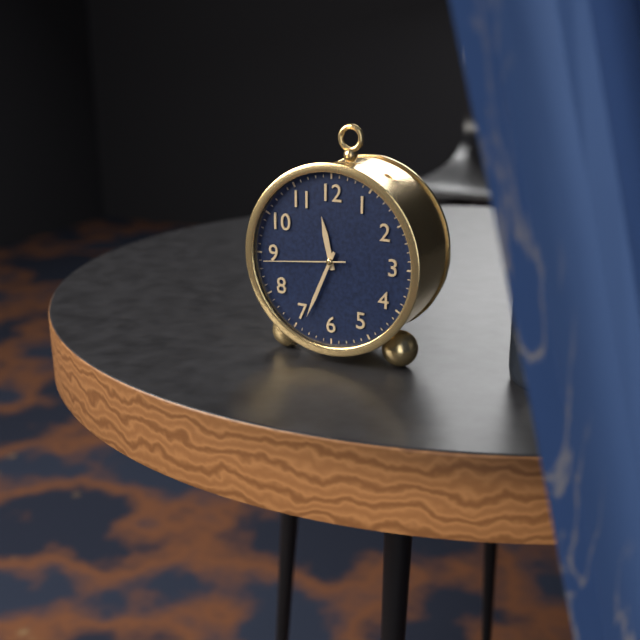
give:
11.34.44
